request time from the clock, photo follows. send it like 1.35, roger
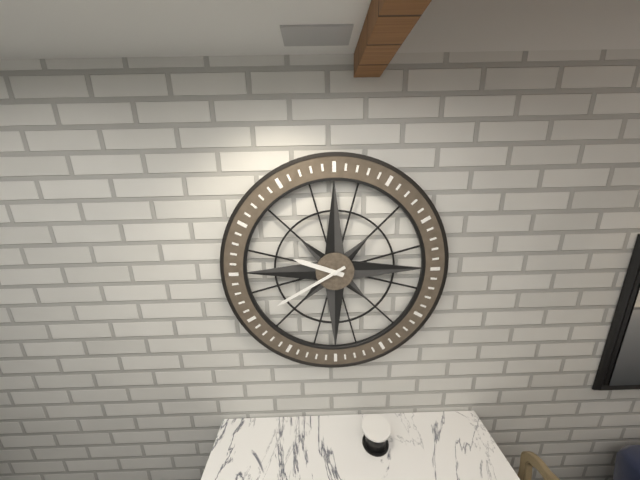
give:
9.40
